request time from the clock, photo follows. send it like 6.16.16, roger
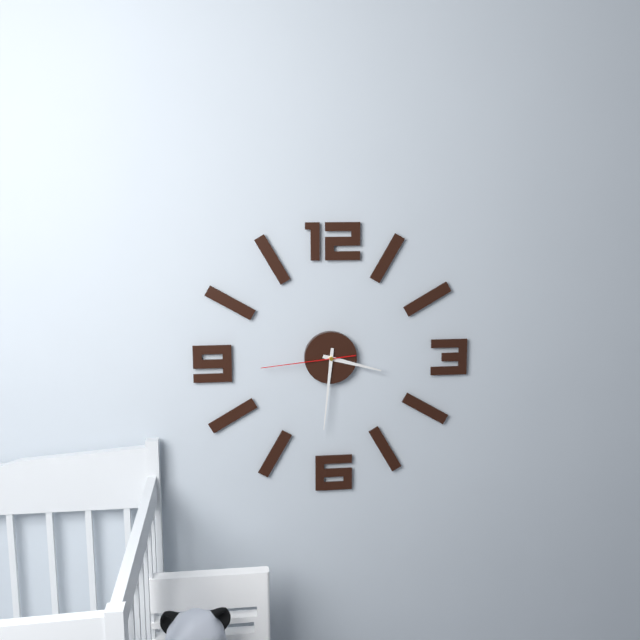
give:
3.31.44
